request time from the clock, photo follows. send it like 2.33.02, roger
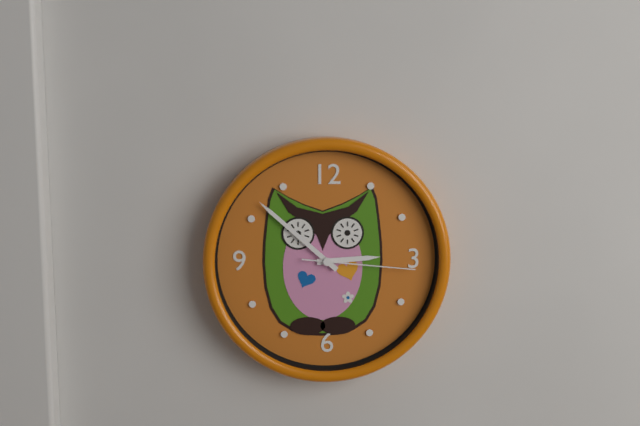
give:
2.52.16
